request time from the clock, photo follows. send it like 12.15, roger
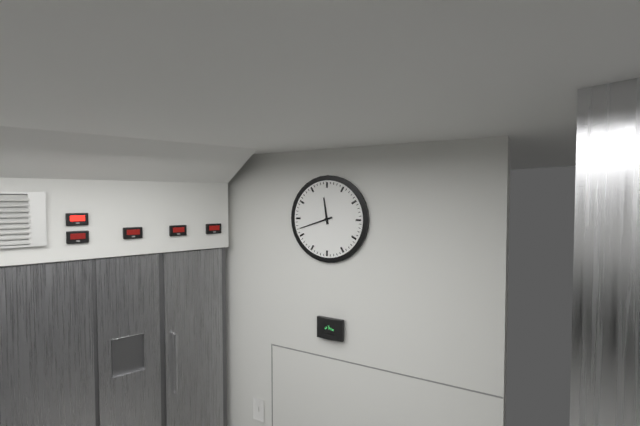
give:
11.42
